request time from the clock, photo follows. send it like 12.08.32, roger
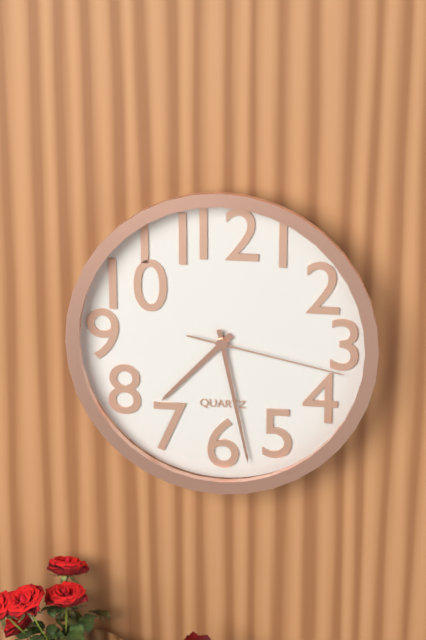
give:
7.28.17
